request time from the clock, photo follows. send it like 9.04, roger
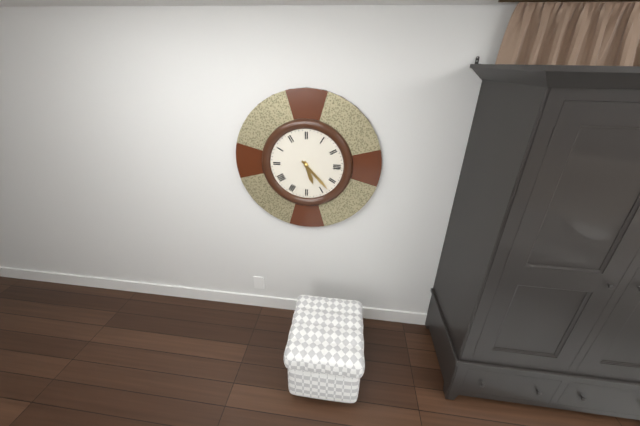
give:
5.23
